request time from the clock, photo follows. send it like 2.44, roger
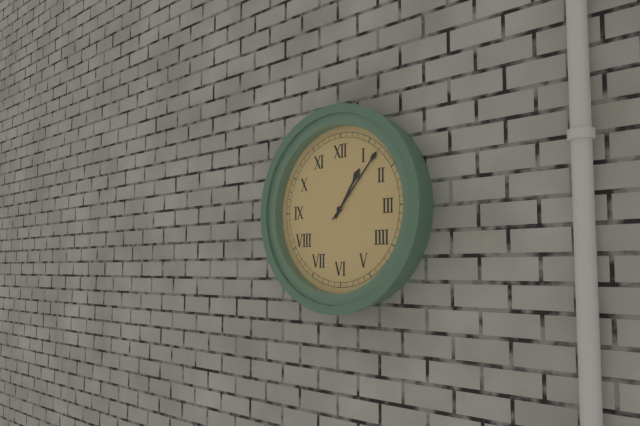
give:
1.07
